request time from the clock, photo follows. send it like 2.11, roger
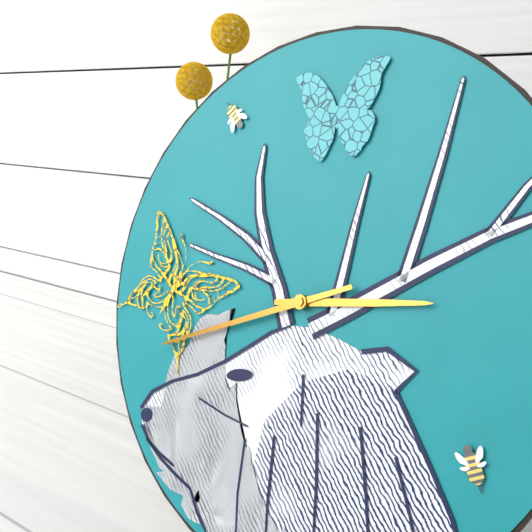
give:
2.41
